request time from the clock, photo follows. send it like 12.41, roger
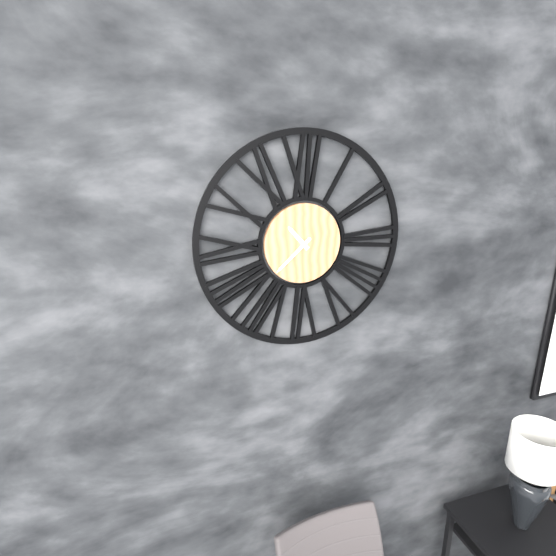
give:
10.38
